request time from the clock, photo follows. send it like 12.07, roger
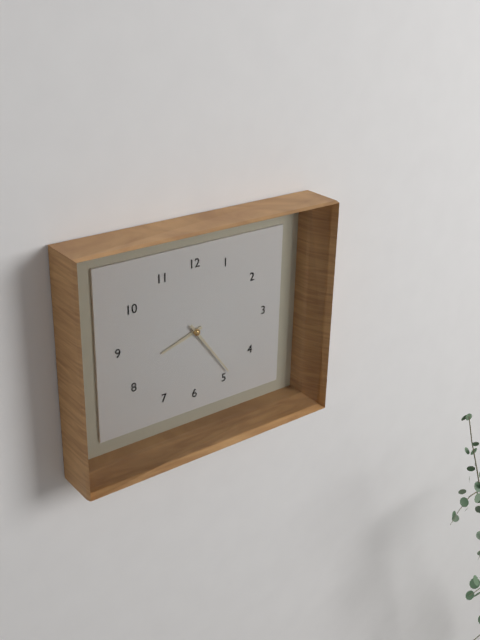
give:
8.24
